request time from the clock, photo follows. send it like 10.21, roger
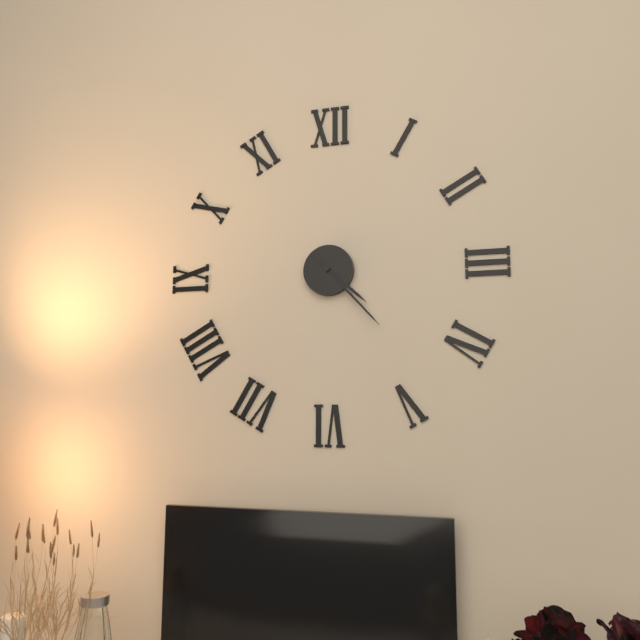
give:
4.23
